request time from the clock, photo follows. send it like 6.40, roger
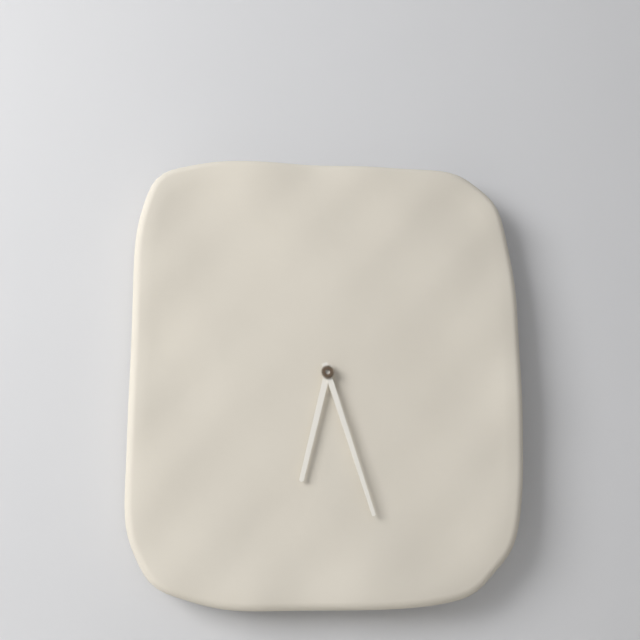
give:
6.27
